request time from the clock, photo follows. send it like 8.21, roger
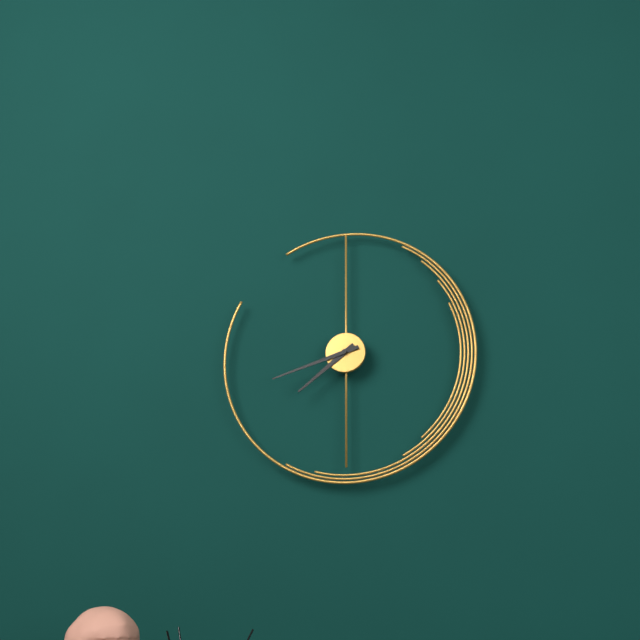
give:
7.42
